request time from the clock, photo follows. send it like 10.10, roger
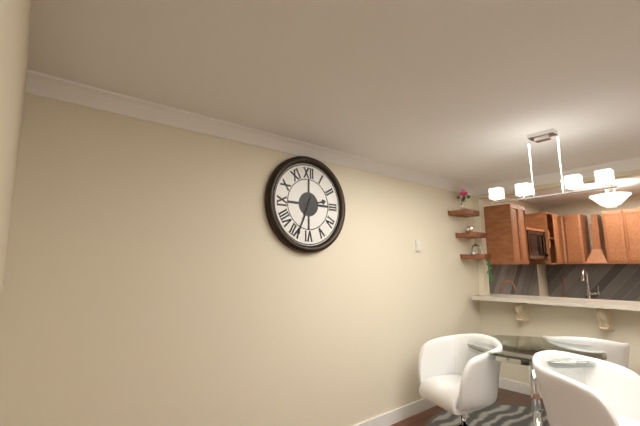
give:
2.34
